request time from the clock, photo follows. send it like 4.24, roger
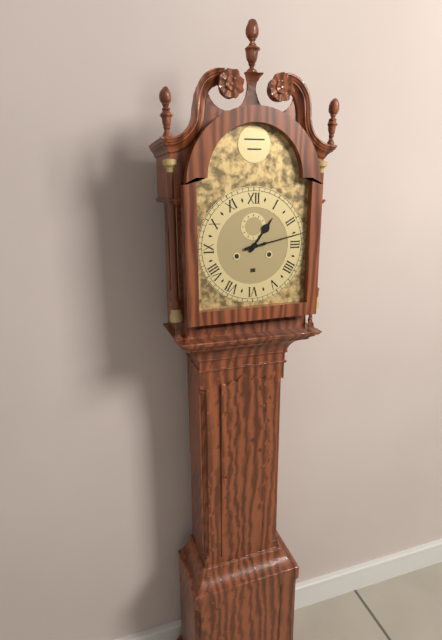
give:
1.13
